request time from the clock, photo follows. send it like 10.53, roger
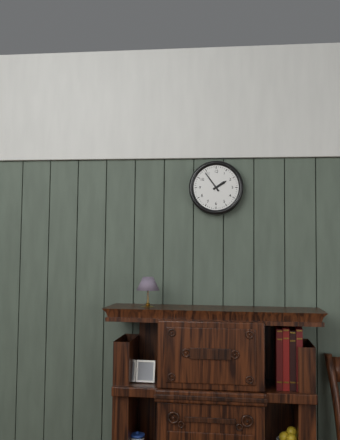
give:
1.54
